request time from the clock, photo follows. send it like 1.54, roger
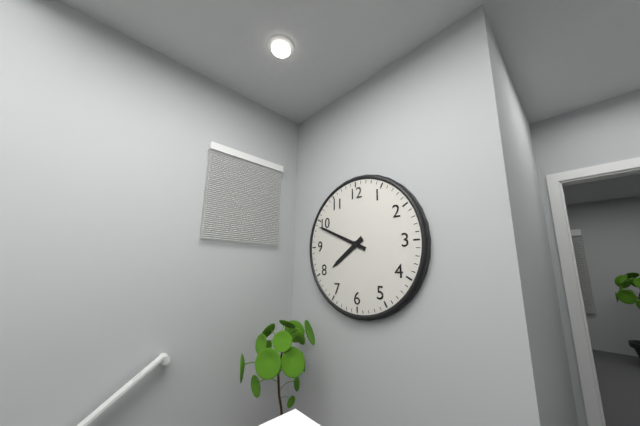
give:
7.49
